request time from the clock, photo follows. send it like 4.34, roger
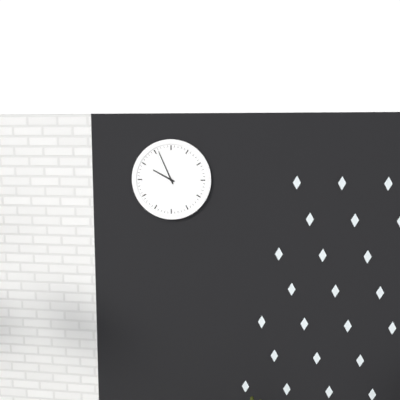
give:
9.56
